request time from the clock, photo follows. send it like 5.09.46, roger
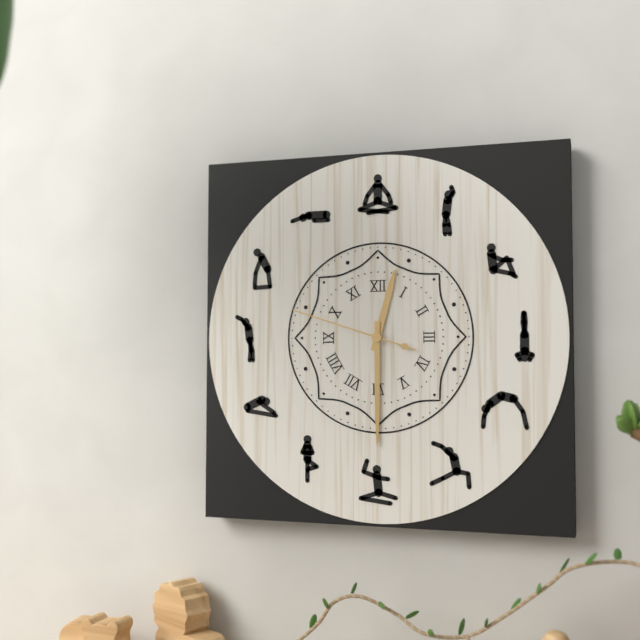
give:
12.30.48
